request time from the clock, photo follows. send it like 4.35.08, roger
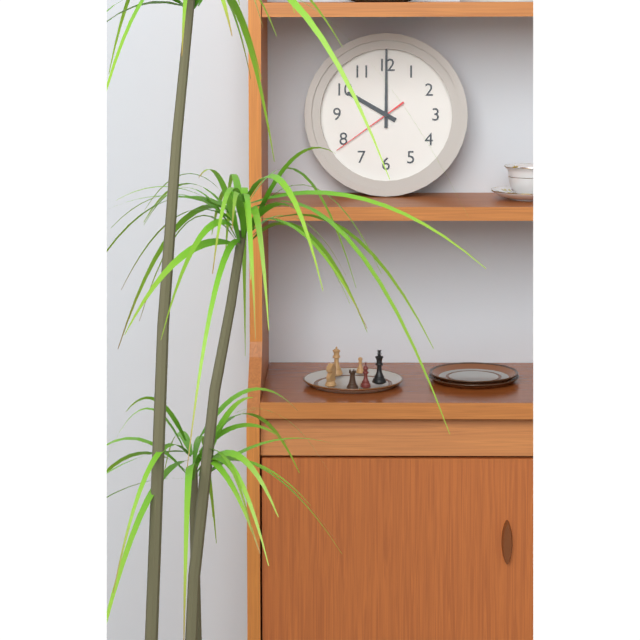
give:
10.00.39
